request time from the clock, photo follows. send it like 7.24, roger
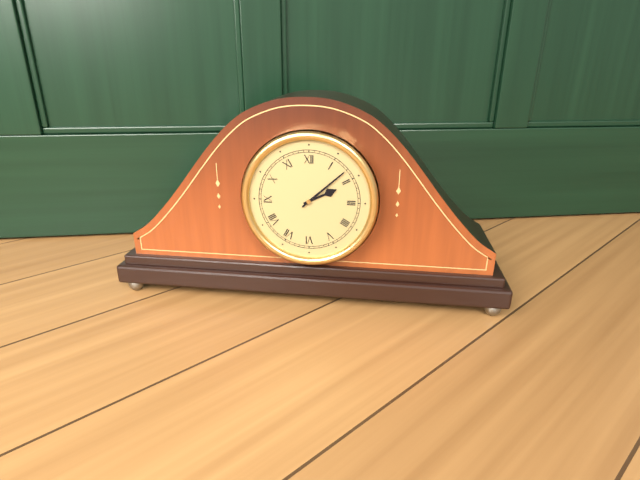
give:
2.08
